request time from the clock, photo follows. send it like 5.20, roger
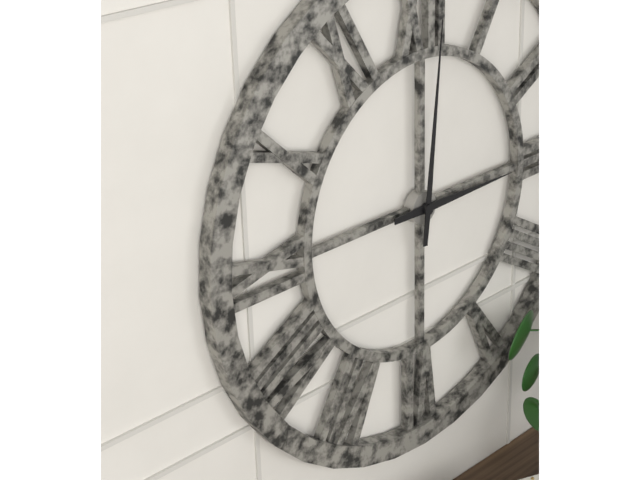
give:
3.01
